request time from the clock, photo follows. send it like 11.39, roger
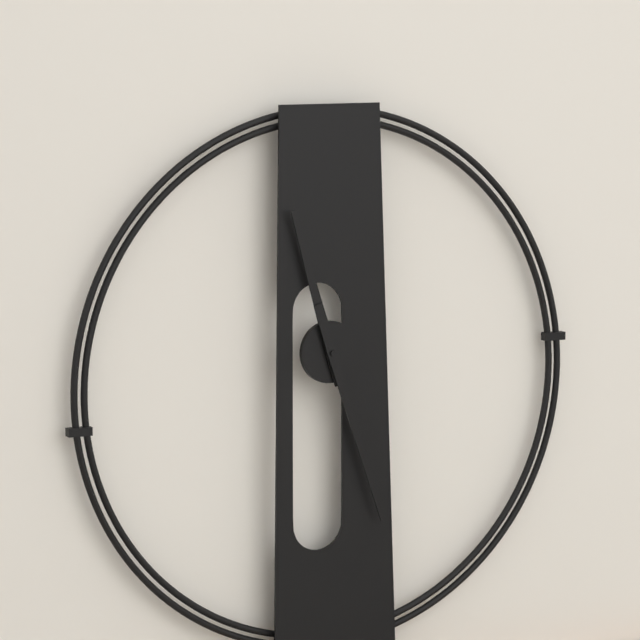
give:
11.27
